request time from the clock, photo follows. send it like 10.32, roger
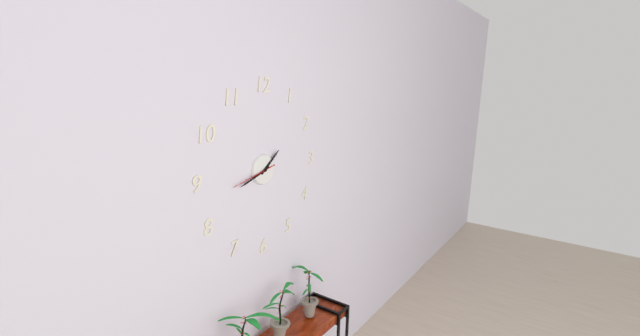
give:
1.42
